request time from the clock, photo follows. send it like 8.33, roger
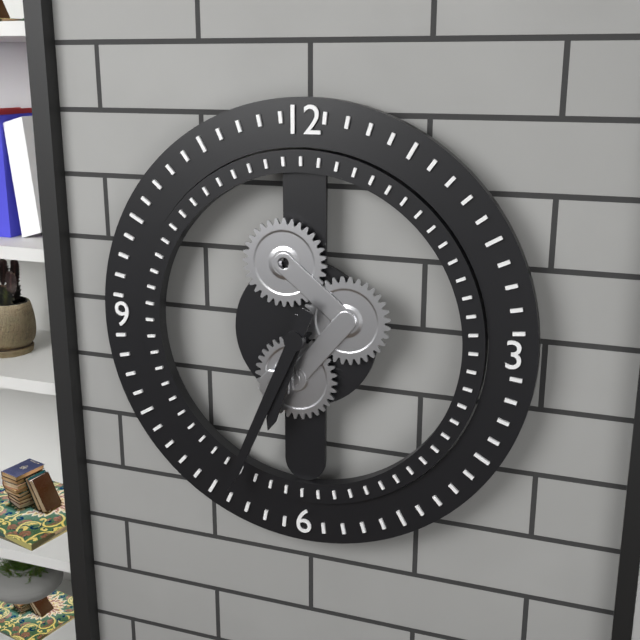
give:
6.34
